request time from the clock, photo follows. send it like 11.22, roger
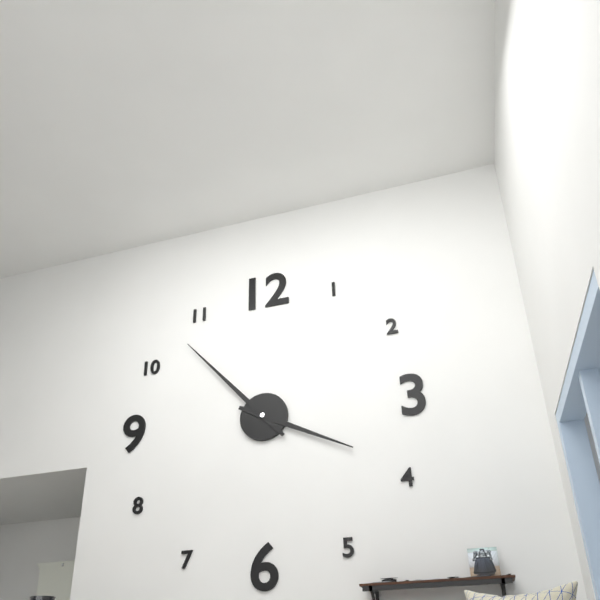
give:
3.53
